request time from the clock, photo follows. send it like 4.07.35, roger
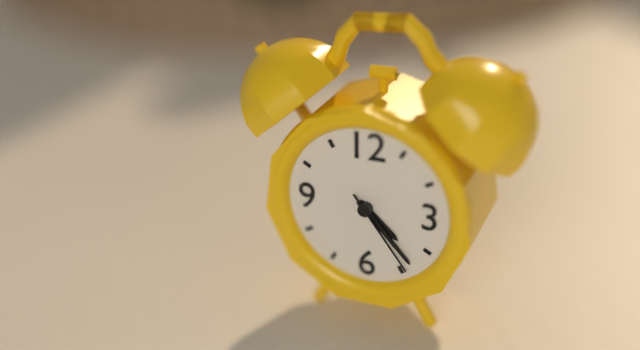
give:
4.23.24
